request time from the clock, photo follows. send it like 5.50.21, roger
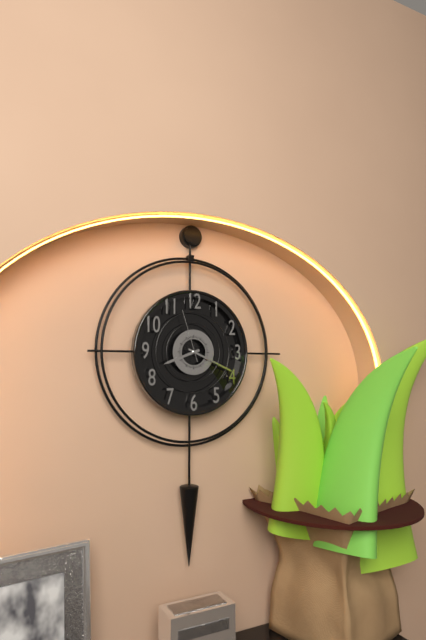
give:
8.19.57
